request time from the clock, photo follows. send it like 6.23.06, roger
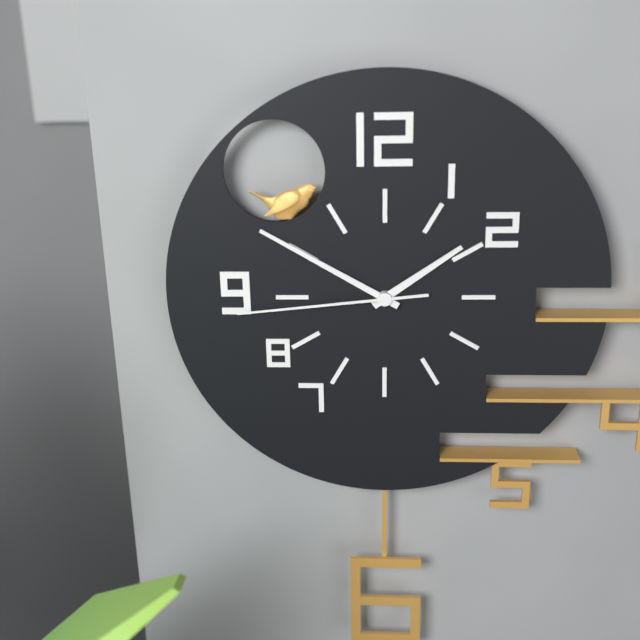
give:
1.50.44
